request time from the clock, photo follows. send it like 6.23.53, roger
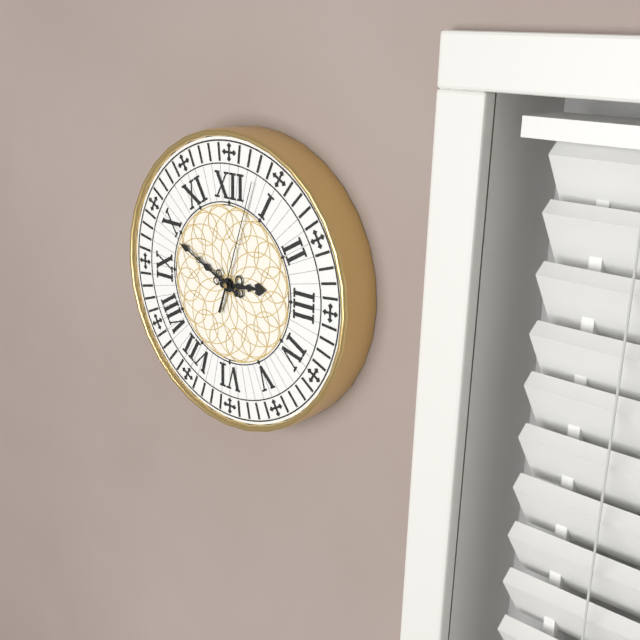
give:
2.49.03
